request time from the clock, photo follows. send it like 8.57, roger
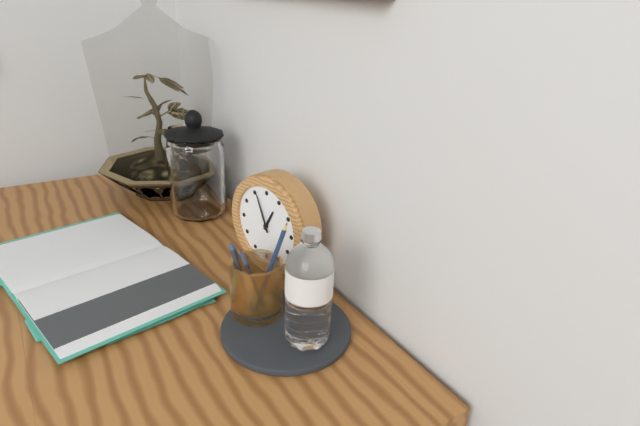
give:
12.56
